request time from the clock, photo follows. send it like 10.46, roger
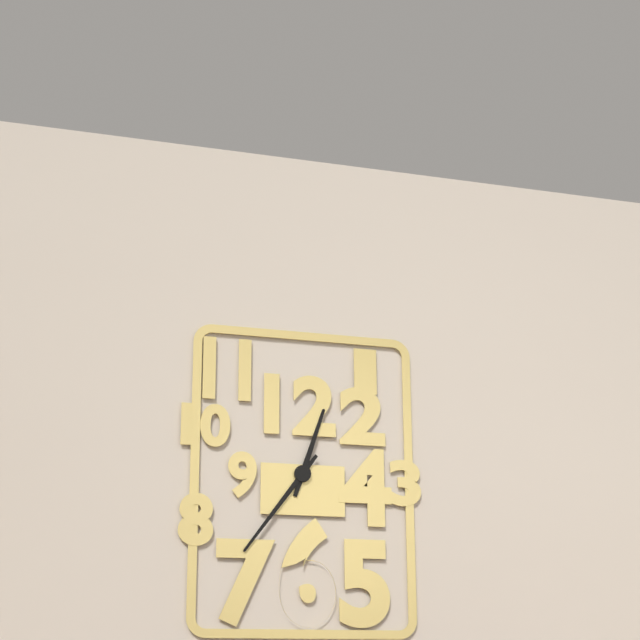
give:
12.36
